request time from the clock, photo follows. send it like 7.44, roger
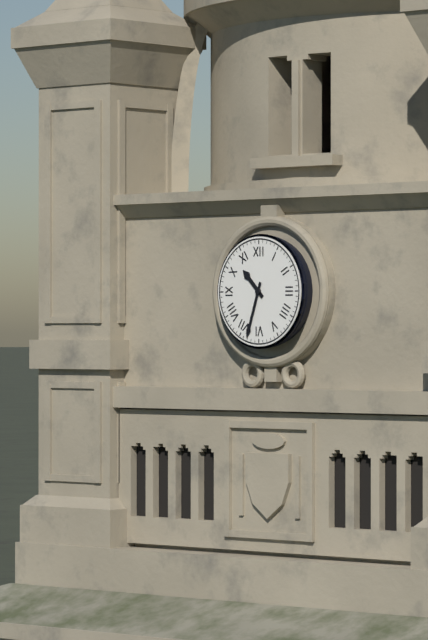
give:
10.33
